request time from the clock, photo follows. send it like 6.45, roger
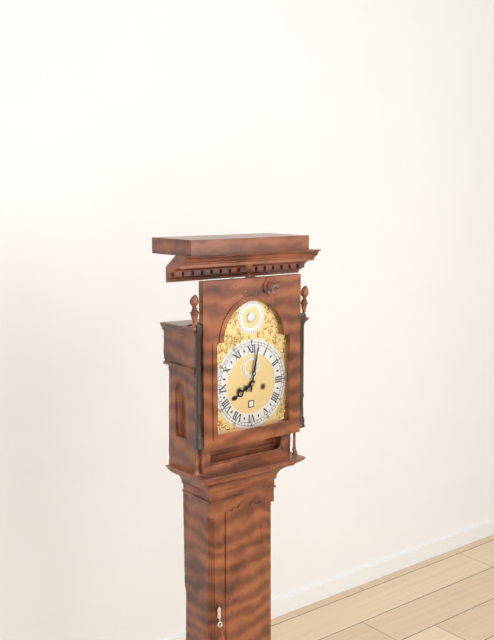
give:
8.02
